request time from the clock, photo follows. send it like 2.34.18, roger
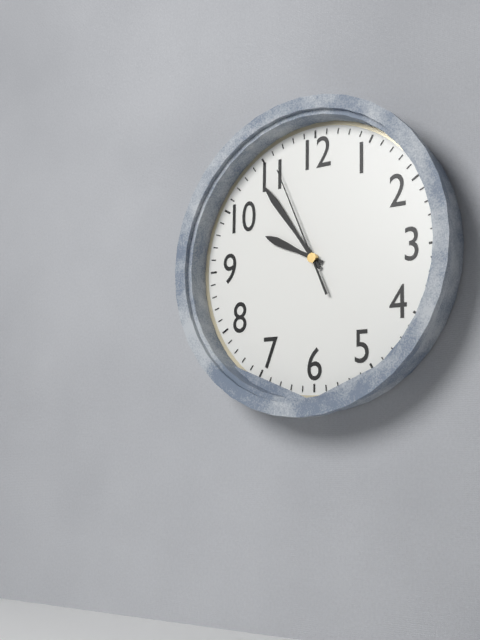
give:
9.54.56
